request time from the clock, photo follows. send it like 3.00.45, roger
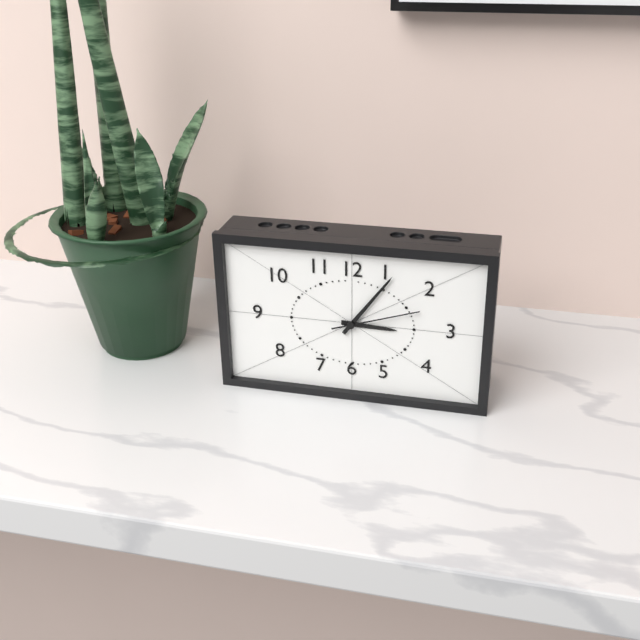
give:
3.06.12
